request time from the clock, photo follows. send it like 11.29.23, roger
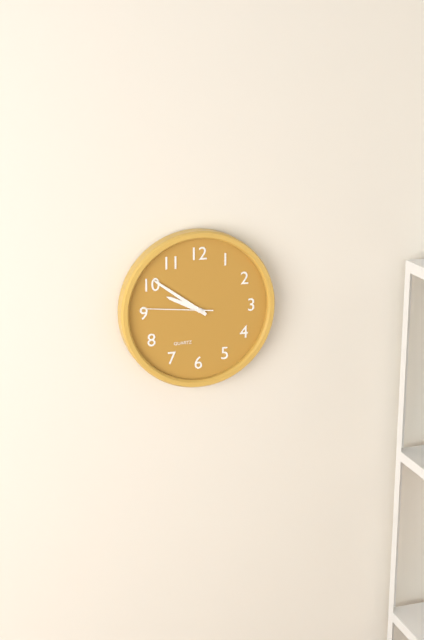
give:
9.51.46
